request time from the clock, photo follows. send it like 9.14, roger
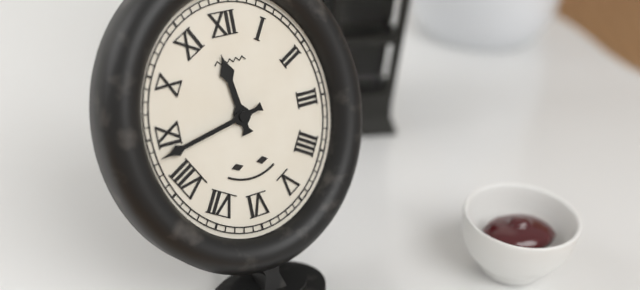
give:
11.43
